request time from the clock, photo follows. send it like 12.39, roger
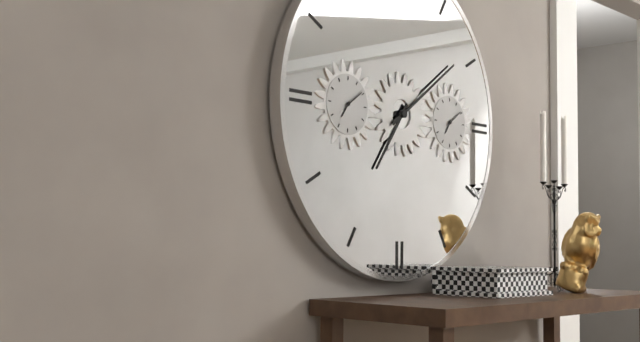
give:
7.09
